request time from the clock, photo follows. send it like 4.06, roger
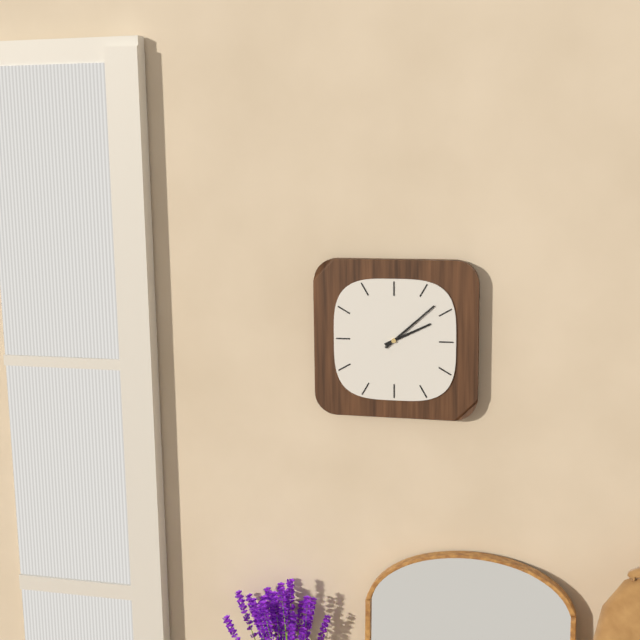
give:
2.08
